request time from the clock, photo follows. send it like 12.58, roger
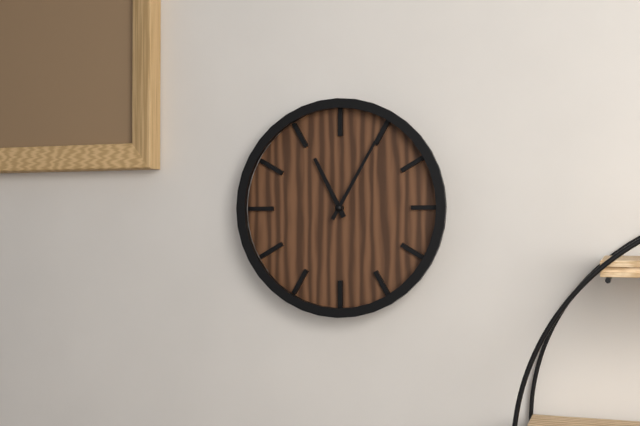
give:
11.05
